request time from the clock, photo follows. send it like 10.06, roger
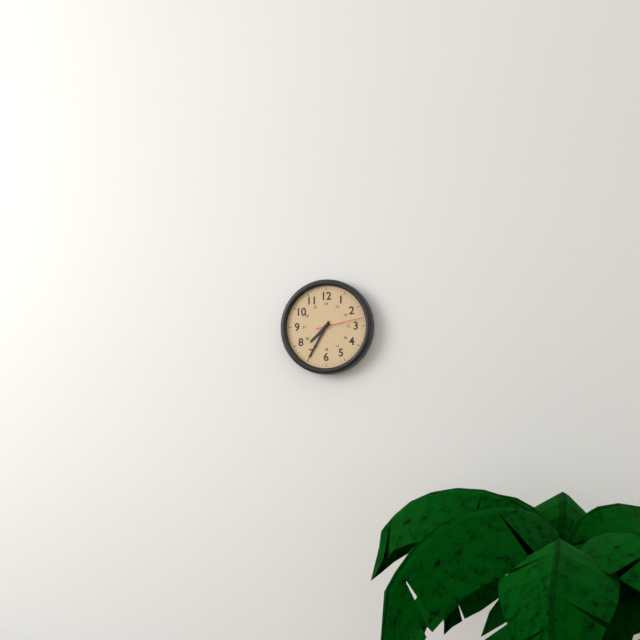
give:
7.35
